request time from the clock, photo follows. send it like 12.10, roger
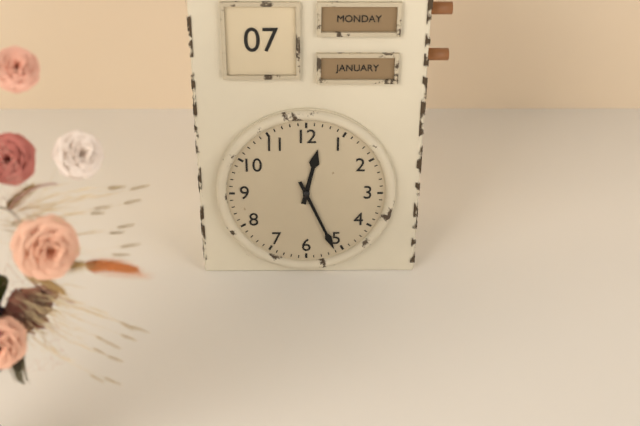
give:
12.26
